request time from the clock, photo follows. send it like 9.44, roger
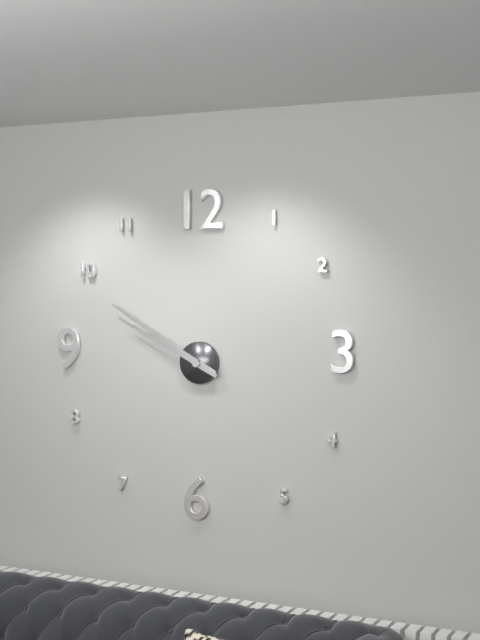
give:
9.50
